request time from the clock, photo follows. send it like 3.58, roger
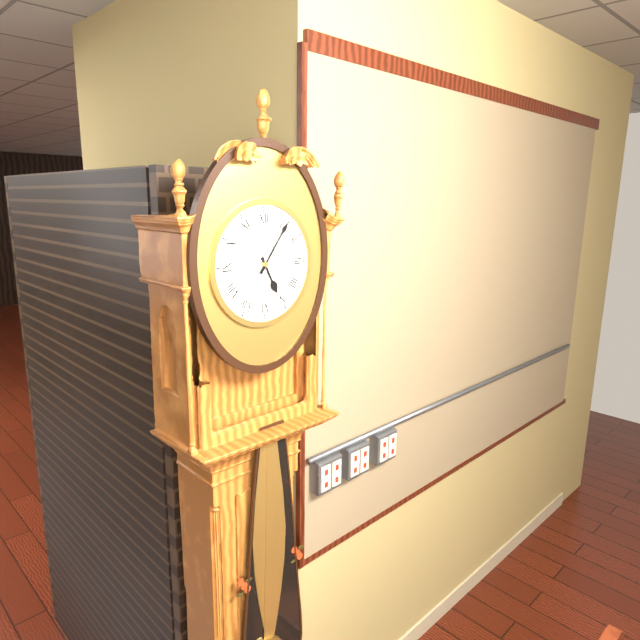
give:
5.06
